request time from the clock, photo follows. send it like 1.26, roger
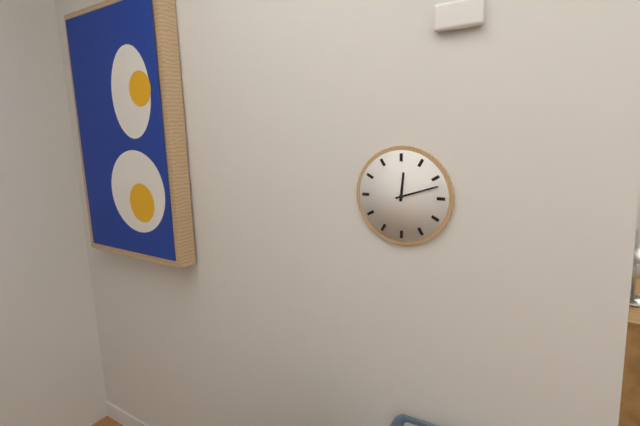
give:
12.12
